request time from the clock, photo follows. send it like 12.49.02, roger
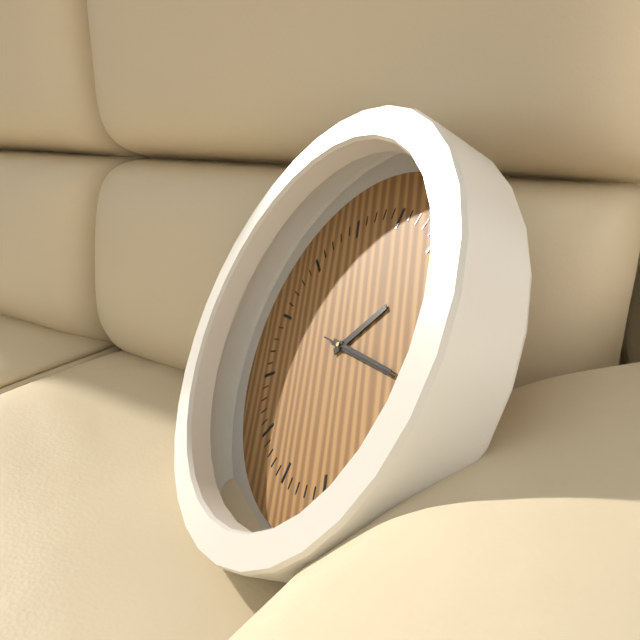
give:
2.20.20
